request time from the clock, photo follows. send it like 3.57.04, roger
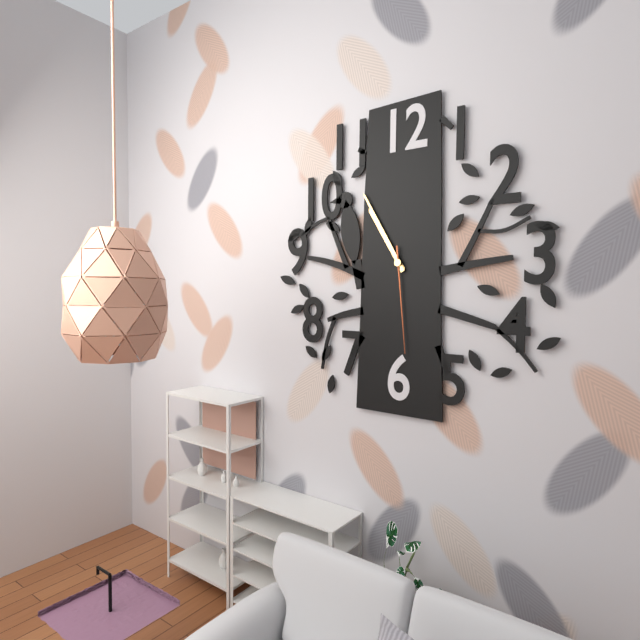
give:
10.55.29
